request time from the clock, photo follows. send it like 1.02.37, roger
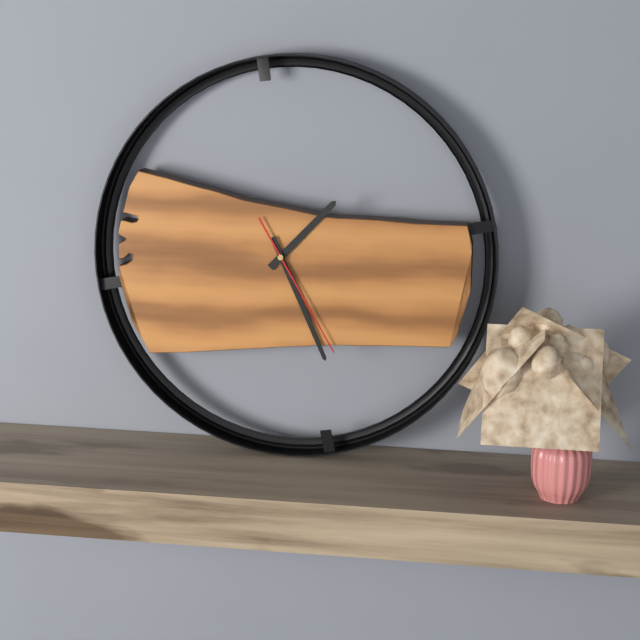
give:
1.26.25
